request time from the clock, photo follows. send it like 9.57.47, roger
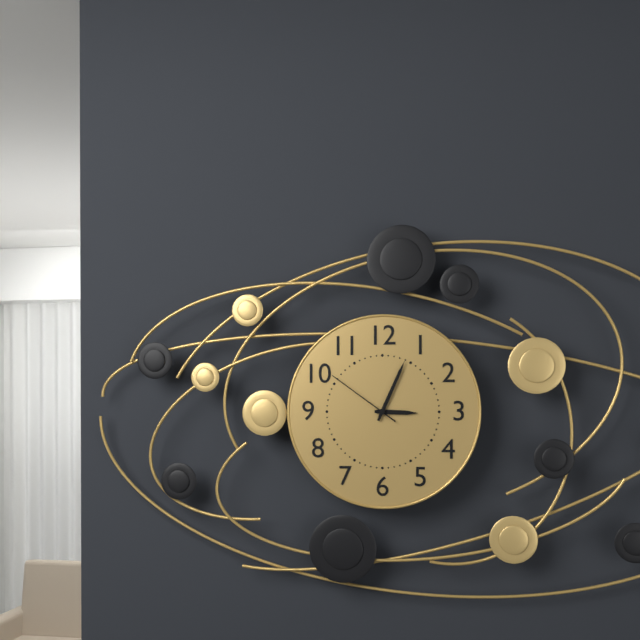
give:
3.04.51
